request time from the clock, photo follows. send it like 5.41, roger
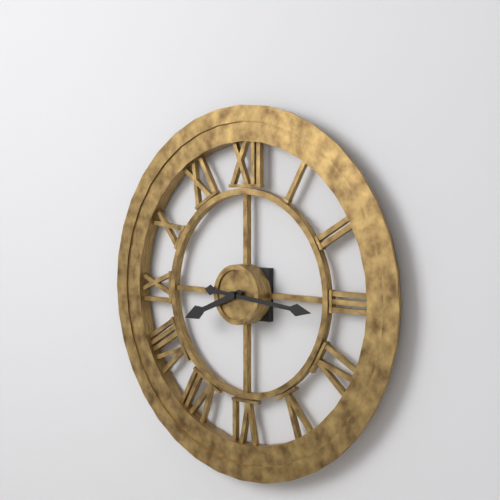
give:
8.16
